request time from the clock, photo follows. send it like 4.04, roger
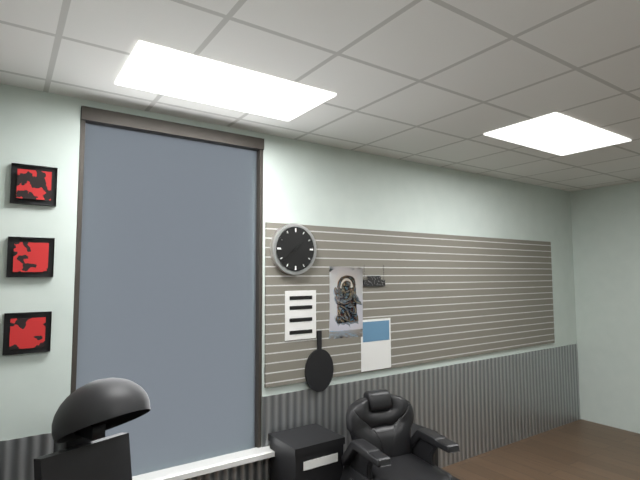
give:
1.38
